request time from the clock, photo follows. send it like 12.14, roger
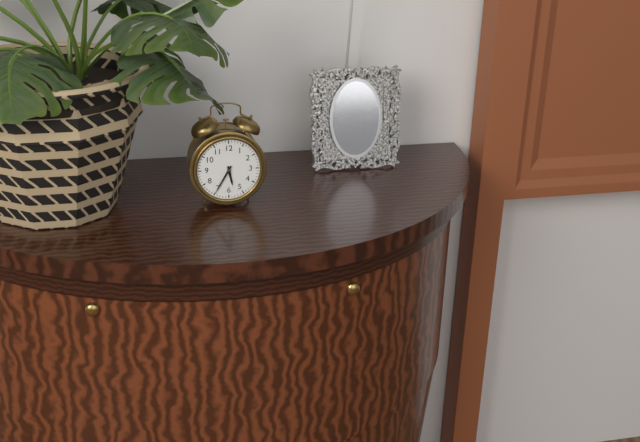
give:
5.35
